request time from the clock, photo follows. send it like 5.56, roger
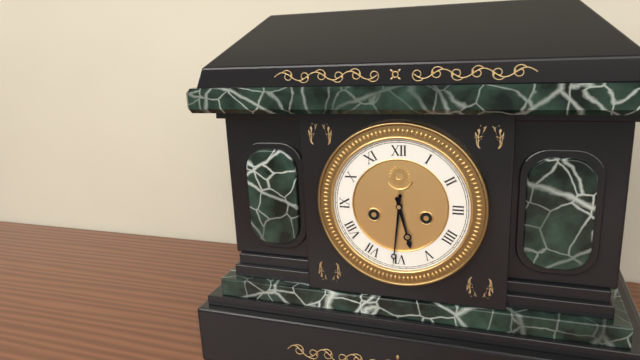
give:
5.31
